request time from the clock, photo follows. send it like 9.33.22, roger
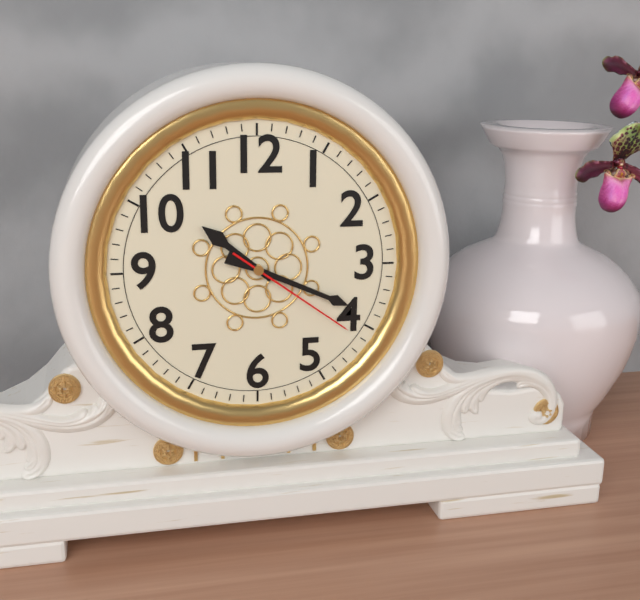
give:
10.19.21
